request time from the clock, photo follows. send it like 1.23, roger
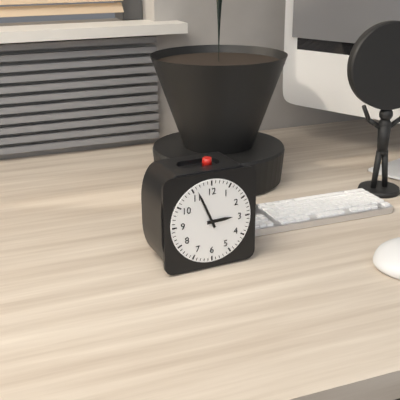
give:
2.56
